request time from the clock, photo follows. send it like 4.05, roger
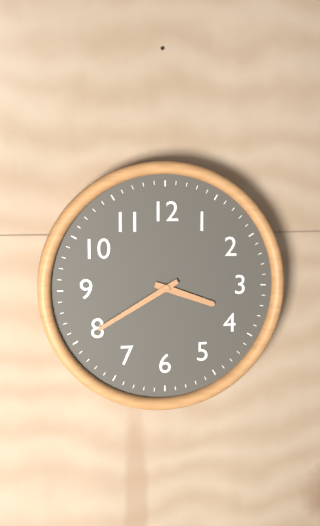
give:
3.40
